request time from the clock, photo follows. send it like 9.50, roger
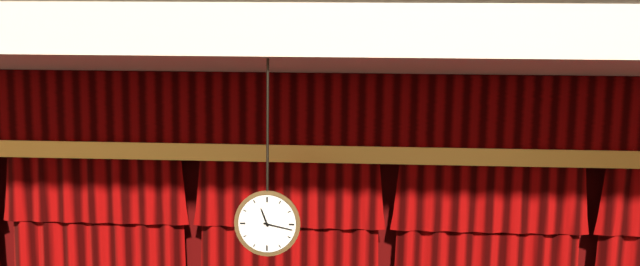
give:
11.17
